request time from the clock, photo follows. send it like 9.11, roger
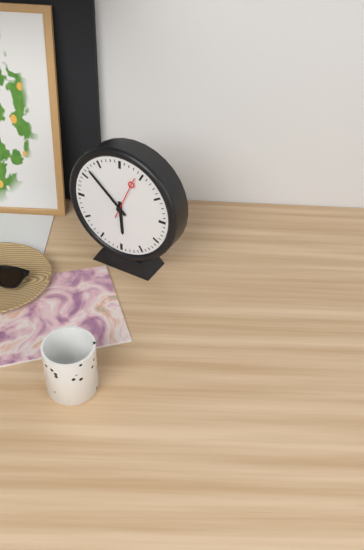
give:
5.52
